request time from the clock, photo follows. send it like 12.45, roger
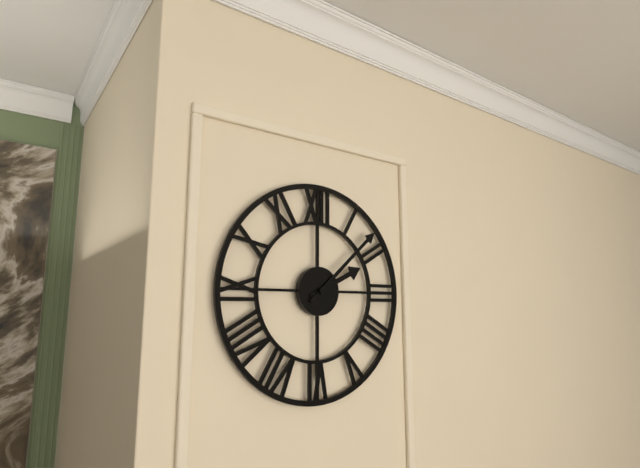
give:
2.08
